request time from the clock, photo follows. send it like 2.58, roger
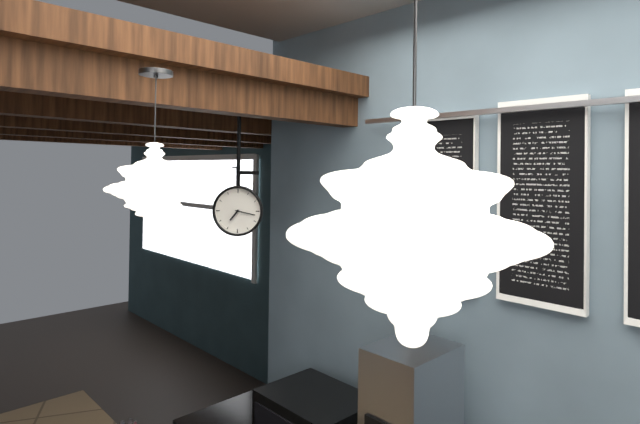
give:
7.17
